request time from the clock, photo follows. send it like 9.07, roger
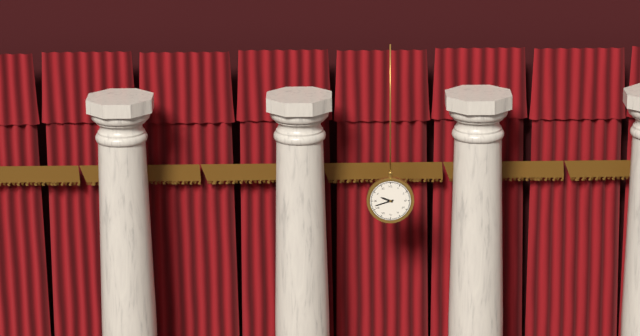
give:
9.42
